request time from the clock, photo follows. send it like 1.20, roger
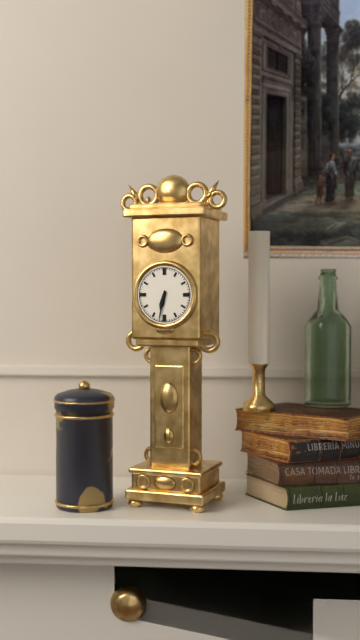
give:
6.32
